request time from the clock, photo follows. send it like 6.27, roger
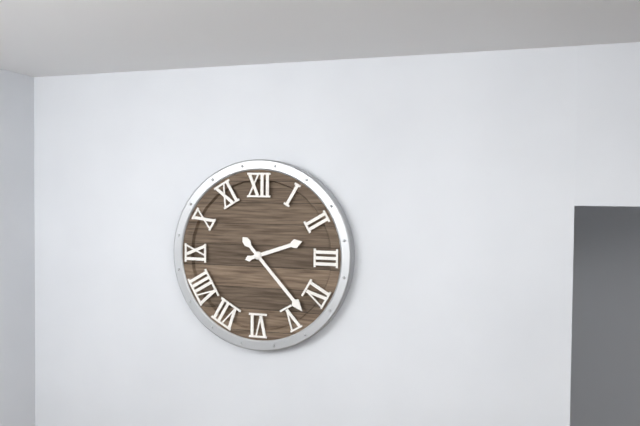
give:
2.23
